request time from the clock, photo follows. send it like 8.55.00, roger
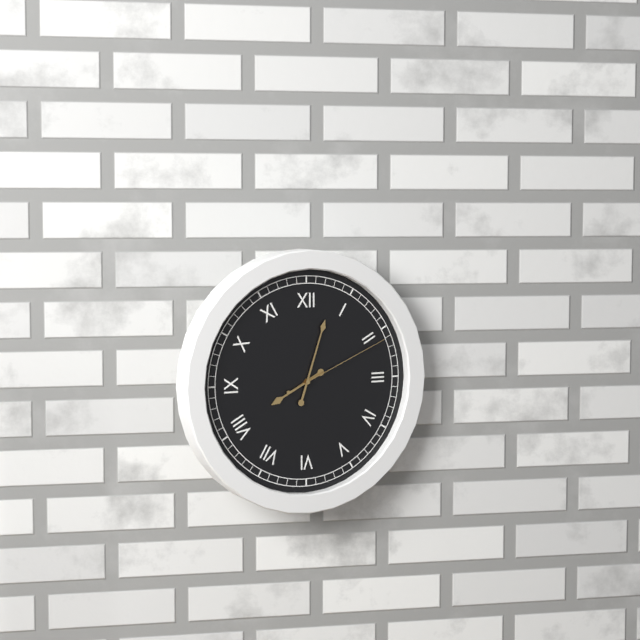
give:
8.03.11
